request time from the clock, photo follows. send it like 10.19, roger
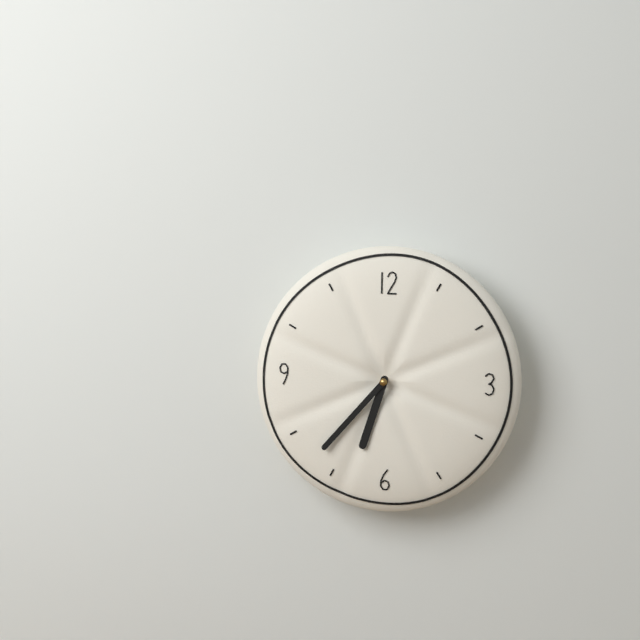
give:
6.37
